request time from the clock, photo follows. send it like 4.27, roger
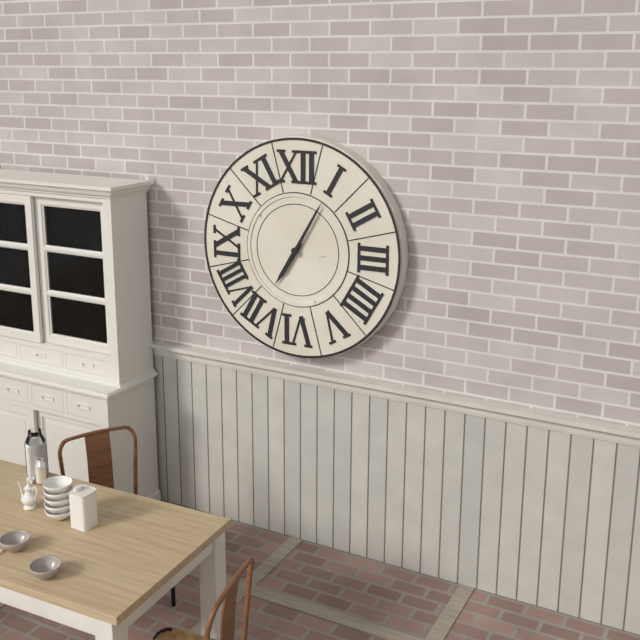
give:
7.05
